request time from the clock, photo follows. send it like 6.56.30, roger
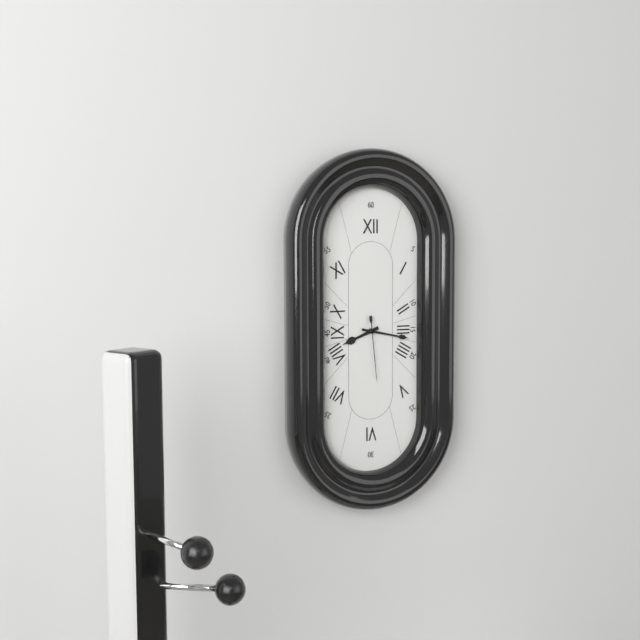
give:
8.17.29
